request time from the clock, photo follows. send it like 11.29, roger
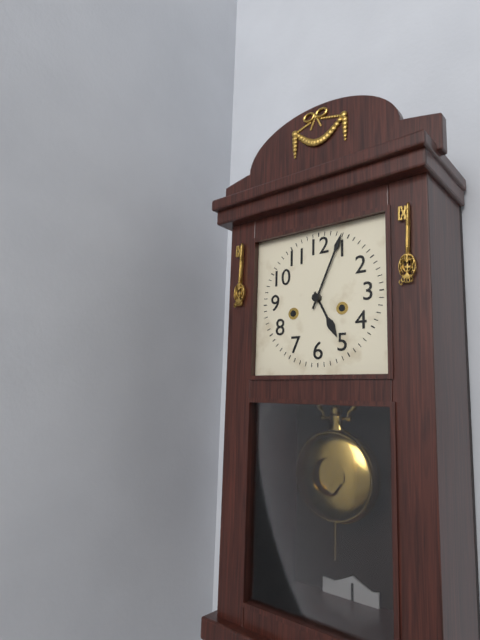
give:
5.04
